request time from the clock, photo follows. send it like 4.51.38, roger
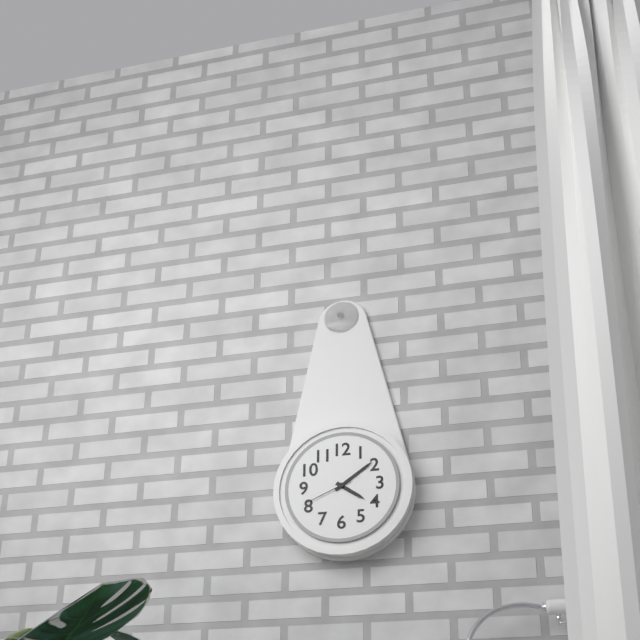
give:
4.09.41
